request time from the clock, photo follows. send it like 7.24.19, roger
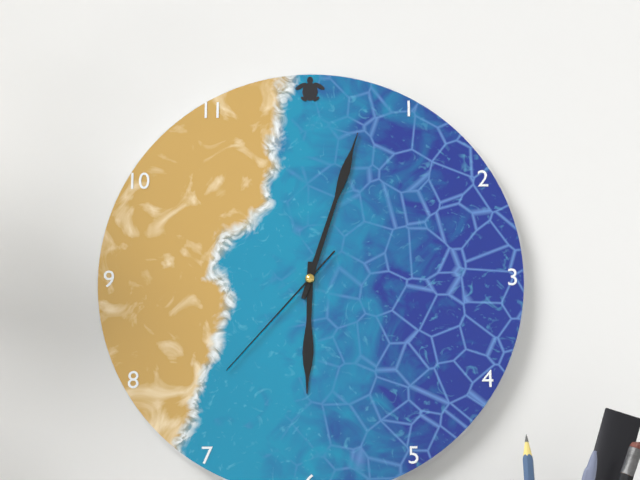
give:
6.03.37
